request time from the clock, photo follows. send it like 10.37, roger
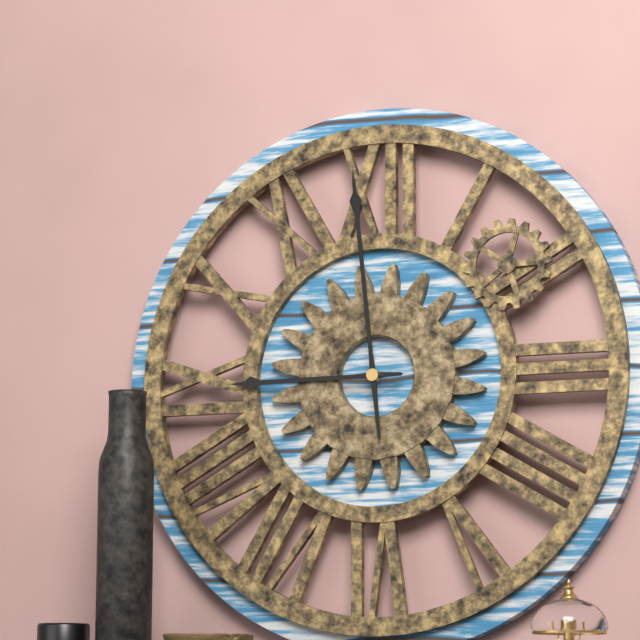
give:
8.59
